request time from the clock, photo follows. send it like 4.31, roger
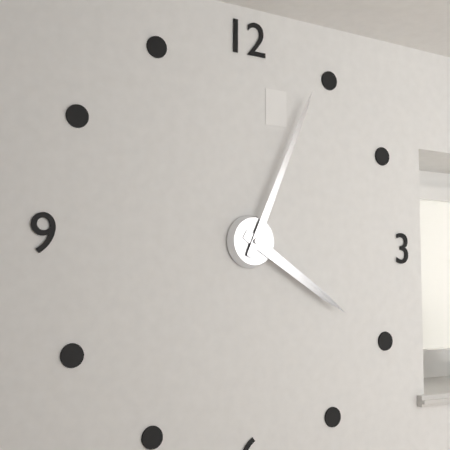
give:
4.04
